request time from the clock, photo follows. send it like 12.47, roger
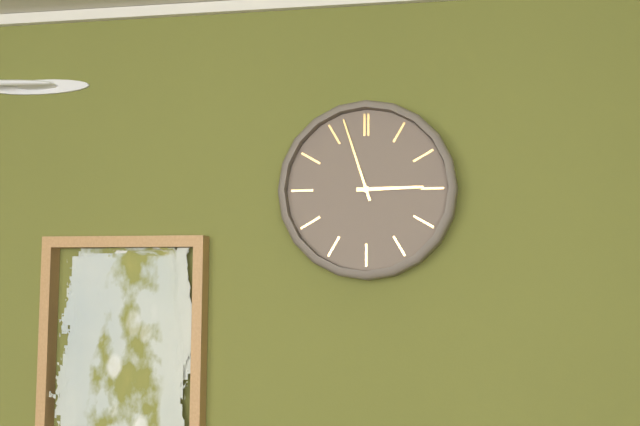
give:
2.57
